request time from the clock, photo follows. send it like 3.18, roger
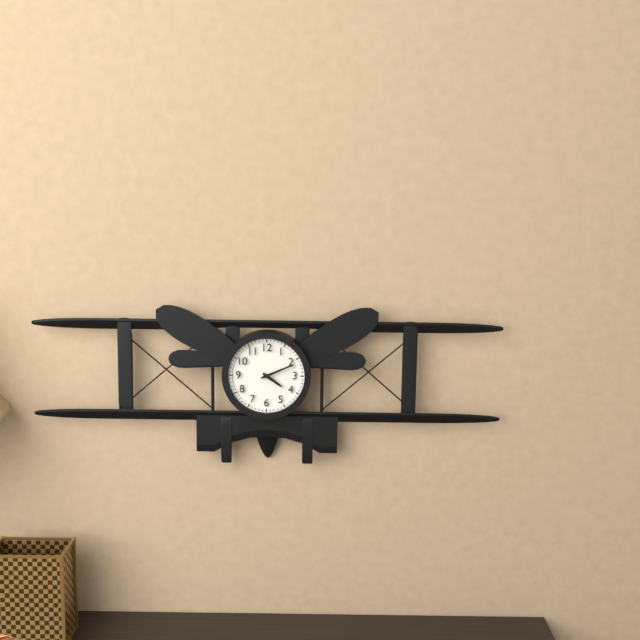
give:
4.11
